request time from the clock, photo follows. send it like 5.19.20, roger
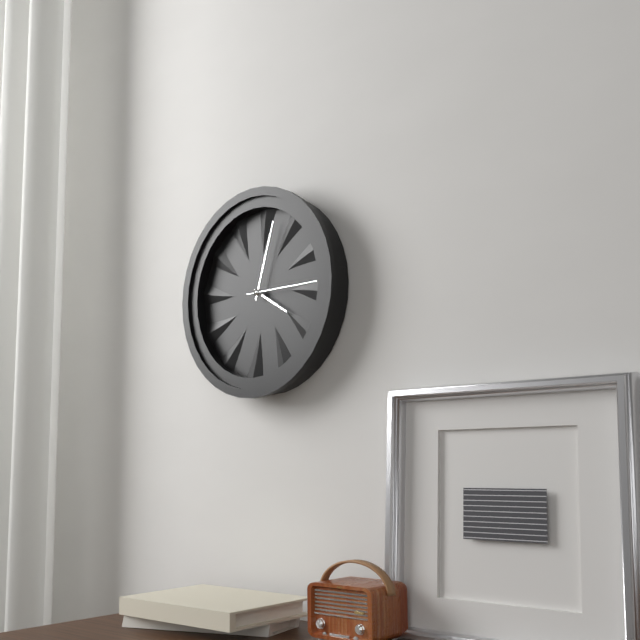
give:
4.03.15
